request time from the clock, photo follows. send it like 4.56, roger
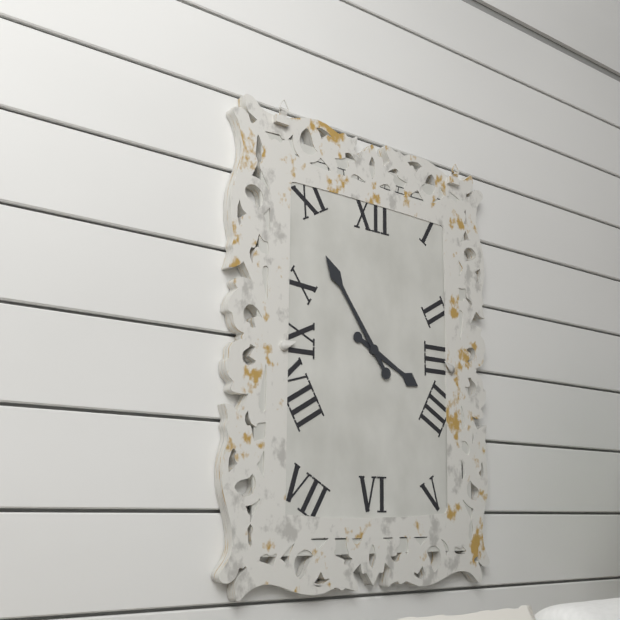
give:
3.54
